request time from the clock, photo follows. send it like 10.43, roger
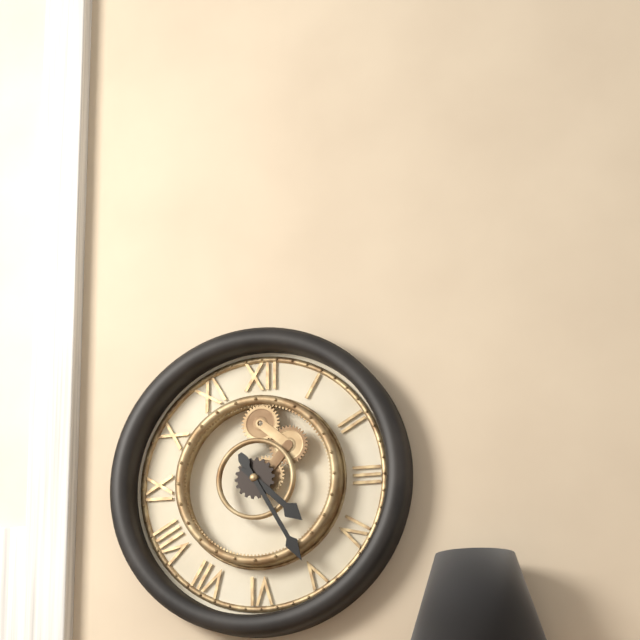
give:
4.25
